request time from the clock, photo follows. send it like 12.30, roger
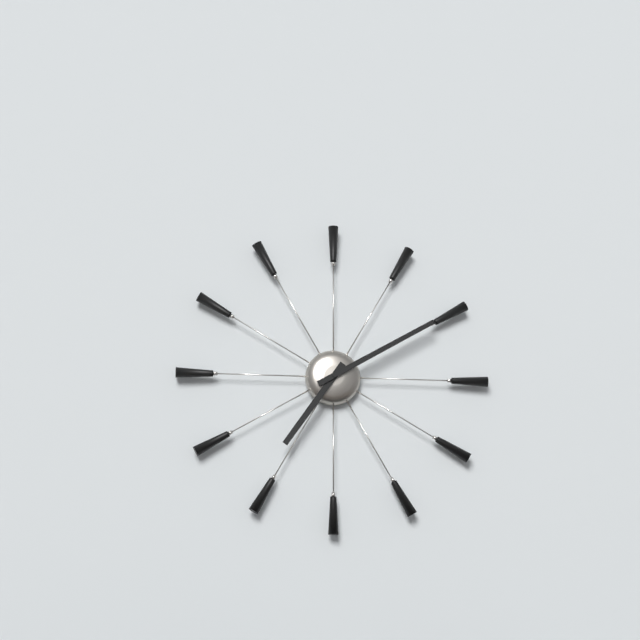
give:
7.10
